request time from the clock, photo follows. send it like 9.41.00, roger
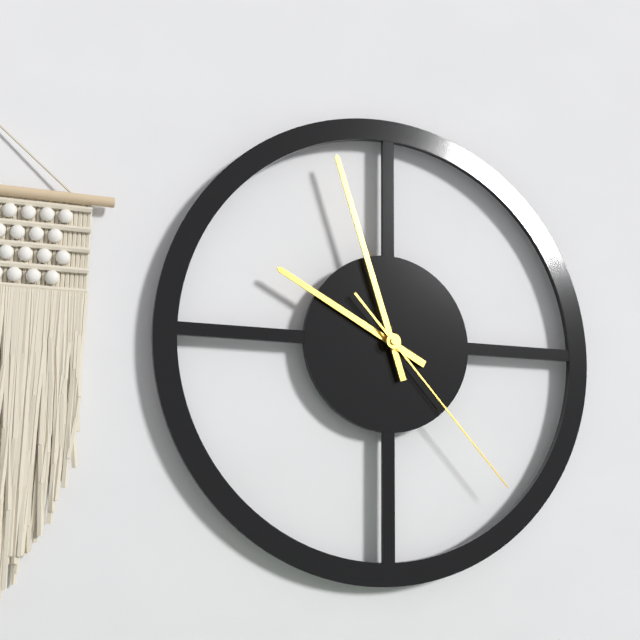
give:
9.57.23
